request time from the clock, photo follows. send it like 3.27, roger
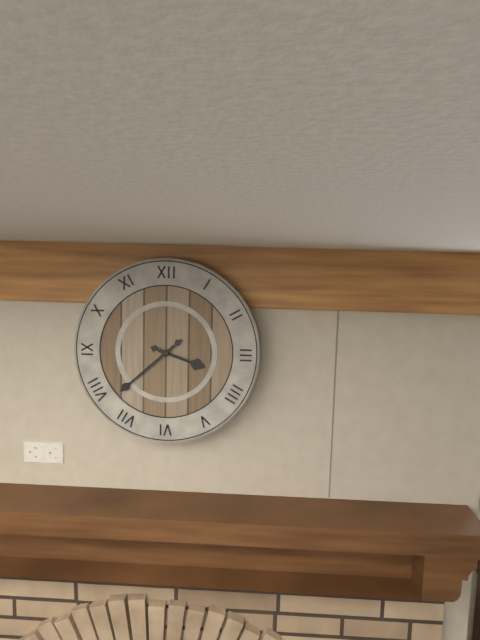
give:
3.38
